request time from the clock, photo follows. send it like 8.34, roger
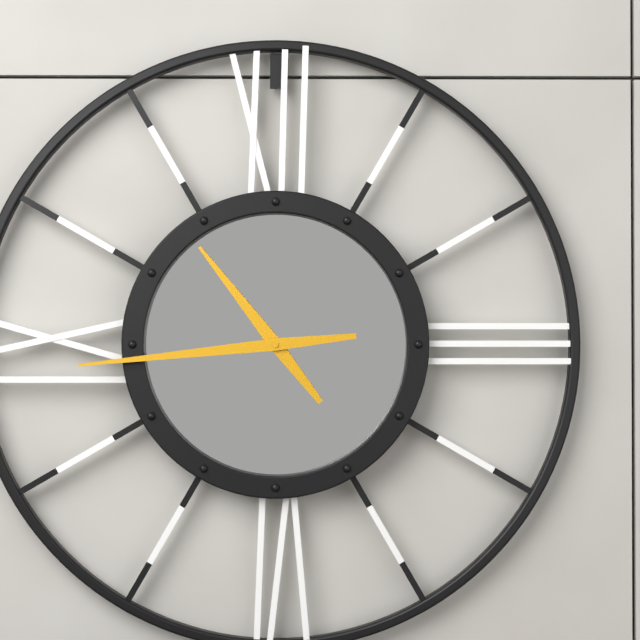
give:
10.44
